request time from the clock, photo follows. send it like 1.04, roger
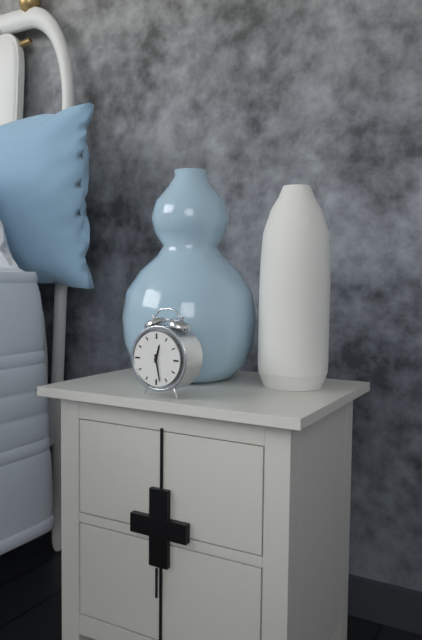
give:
12.28
